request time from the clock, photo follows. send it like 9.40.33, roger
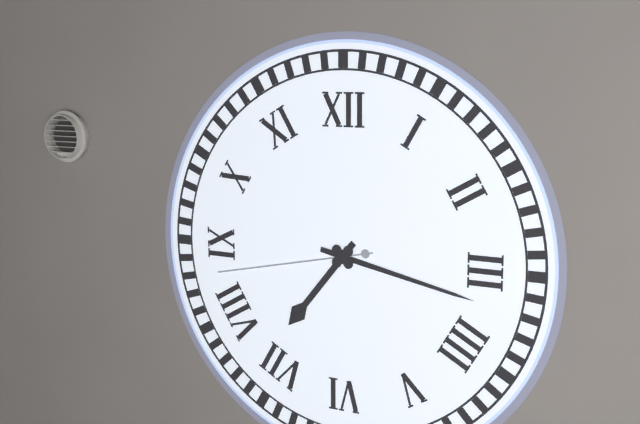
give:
7.17.43
